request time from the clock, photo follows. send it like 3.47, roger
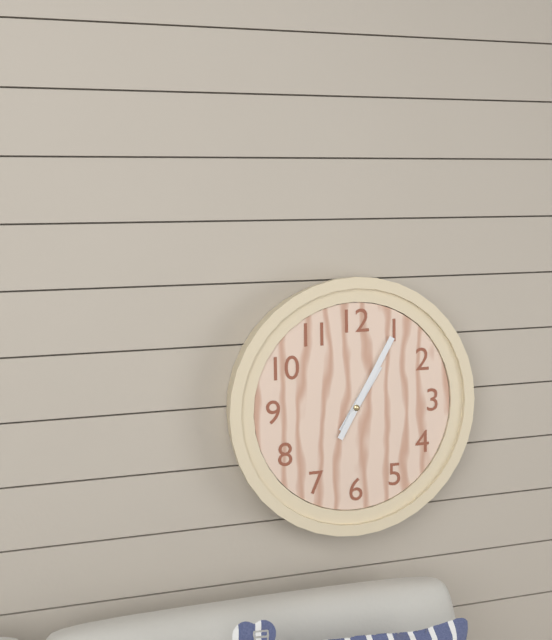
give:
1.05
